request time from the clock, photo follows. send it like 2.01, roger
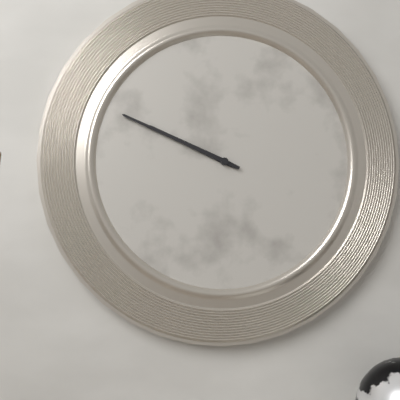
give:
9.49
